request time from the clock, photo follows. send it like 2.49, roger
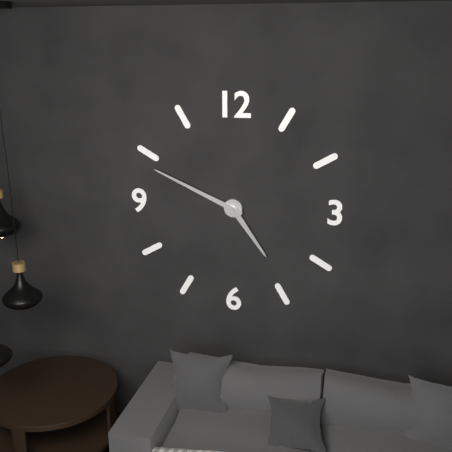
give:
4.49
